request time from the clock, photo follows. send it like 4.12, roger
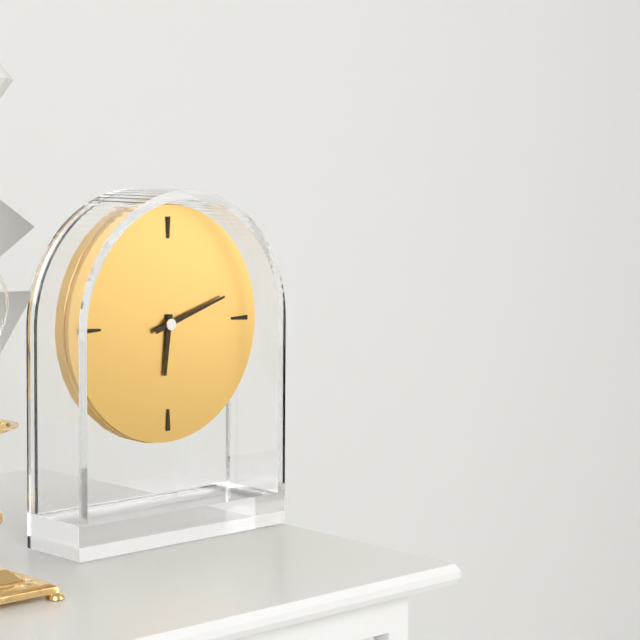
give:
6.12
